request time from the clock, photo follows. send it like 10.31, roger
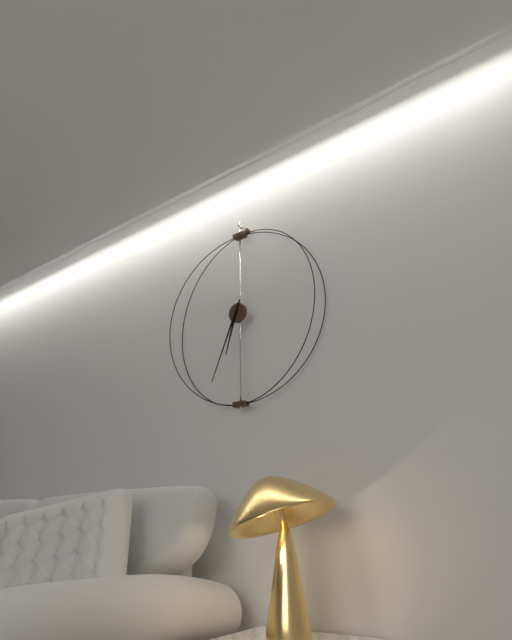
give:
6.34
